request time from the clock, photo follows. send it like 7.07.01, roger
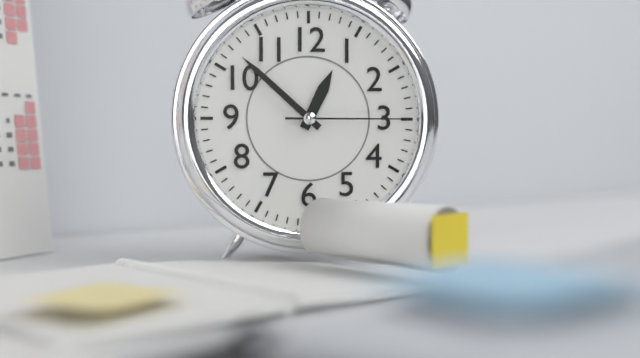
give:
12.52.15
